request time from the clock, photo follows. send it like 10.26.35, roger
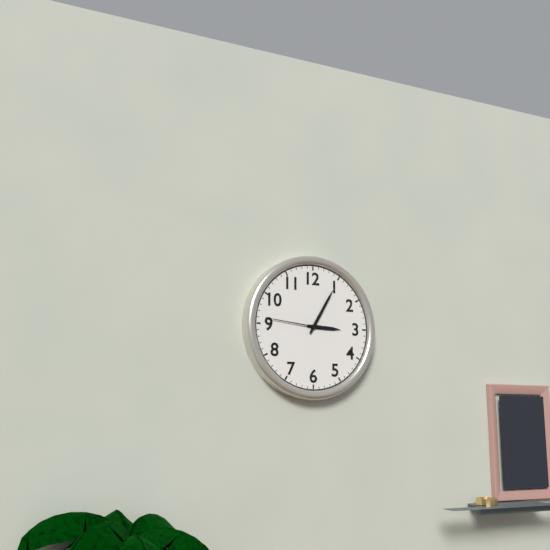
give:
3.05.46
